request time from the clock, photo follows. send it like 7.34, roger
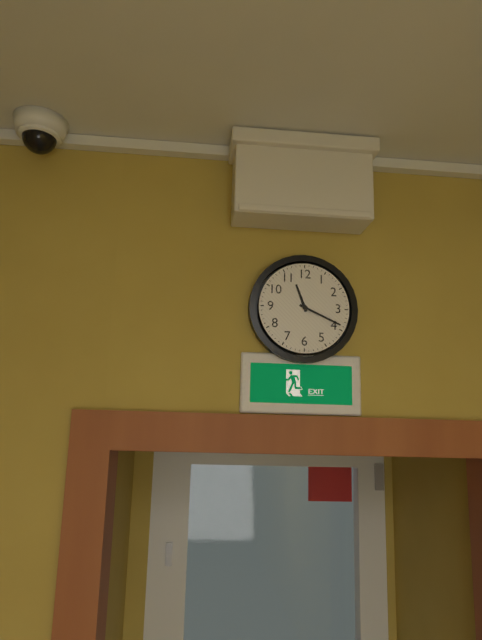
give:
11.19
